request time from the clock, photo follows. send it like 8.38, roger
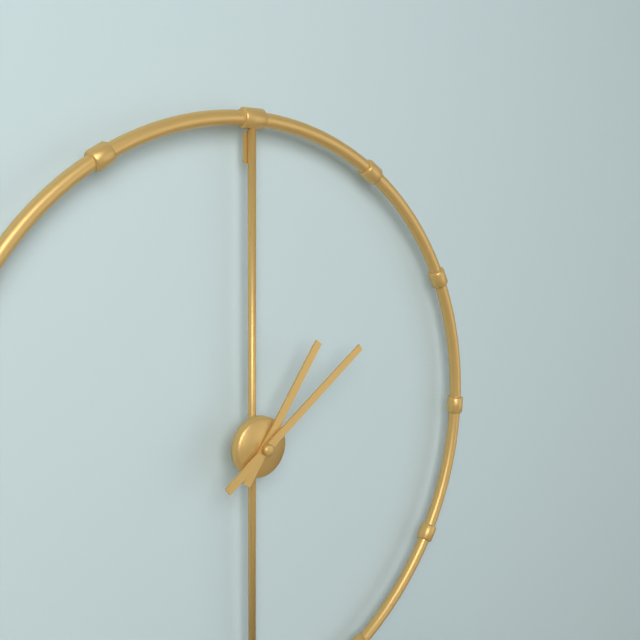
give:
1.09
